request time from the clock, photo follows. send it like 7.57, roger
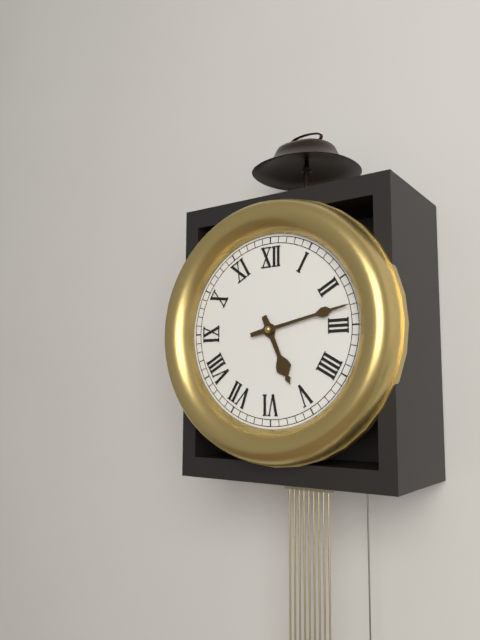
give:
5.13
